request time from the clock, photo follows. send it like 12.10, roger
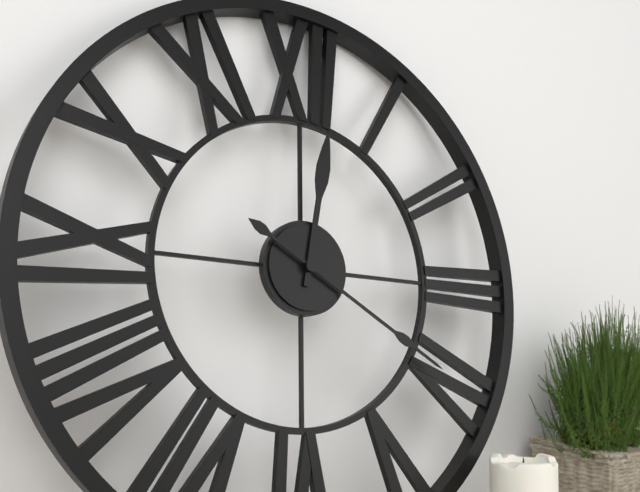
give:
12.20
